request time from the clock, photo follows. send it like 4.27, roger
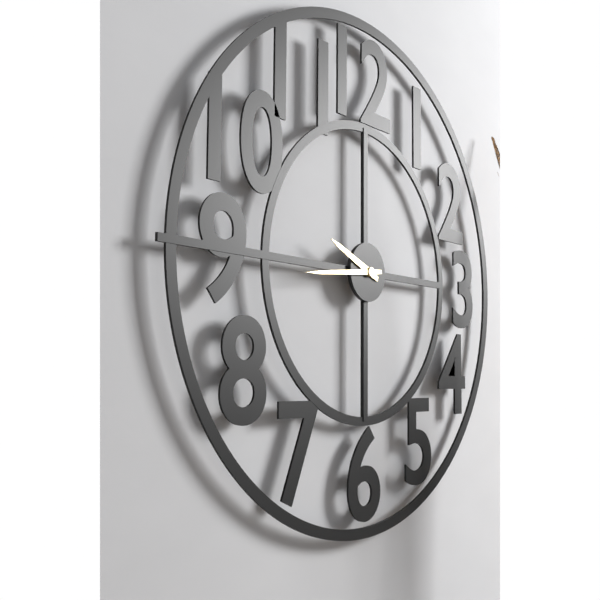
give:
9.44
